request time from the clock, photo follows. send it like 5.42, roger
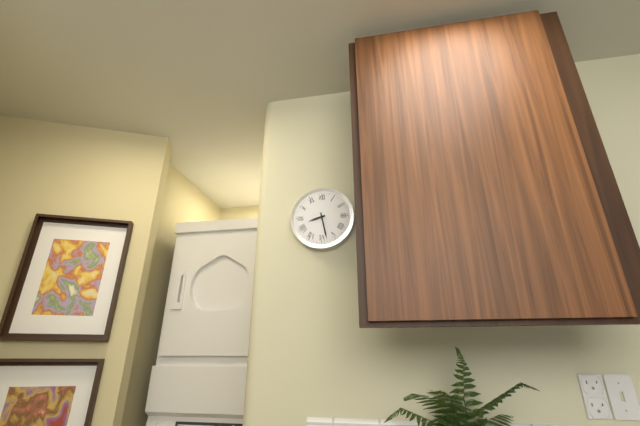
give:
8.28
